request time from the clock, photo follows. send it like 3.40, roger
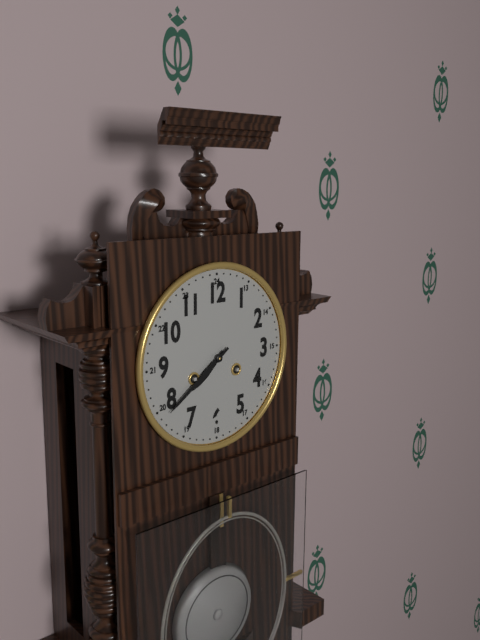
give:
7.39
